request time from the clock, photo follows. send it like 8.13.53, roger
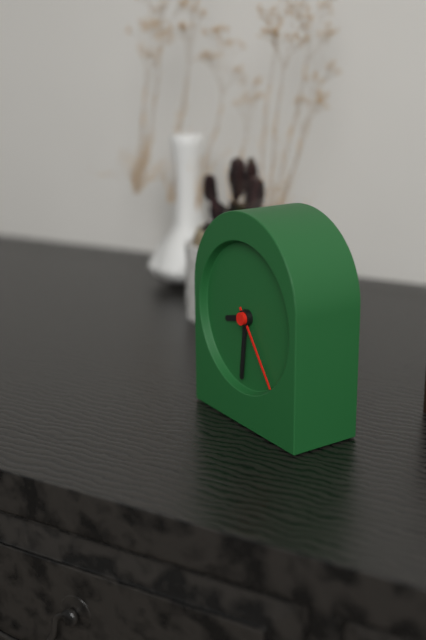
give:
8.31.24
